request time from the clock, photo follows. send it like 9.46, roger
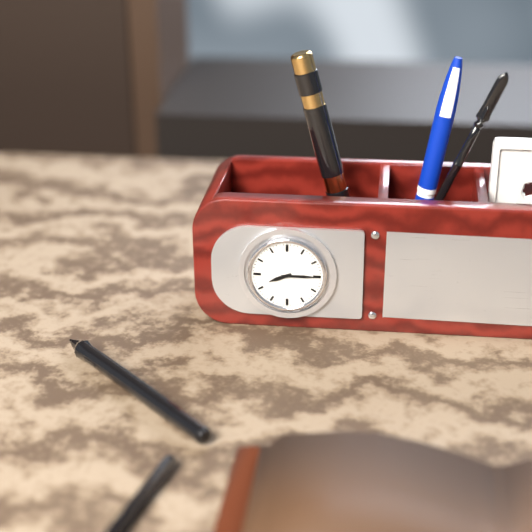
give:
8.15
